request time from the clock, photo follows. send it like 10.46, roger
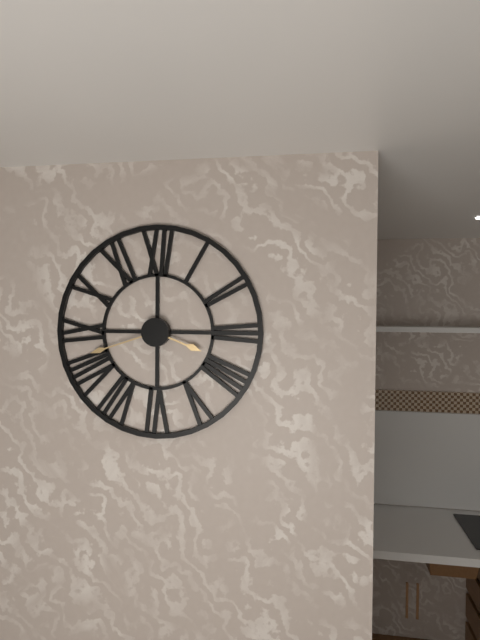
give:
3.42
